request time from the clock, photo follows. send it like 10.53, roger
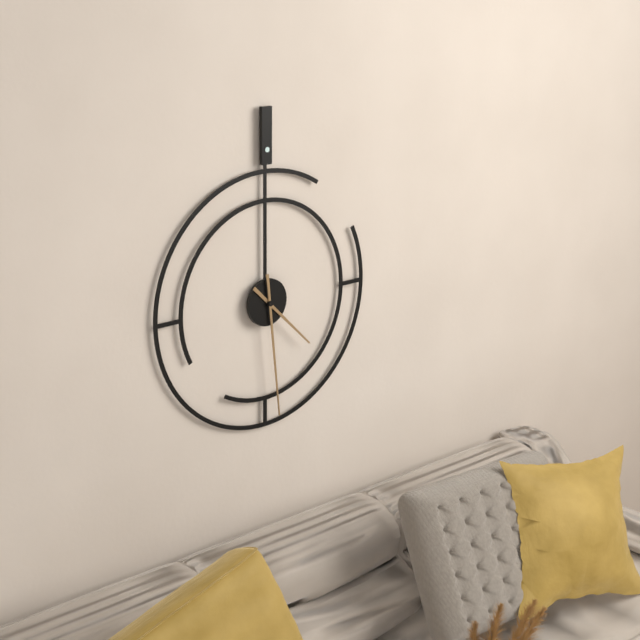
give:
4.29
